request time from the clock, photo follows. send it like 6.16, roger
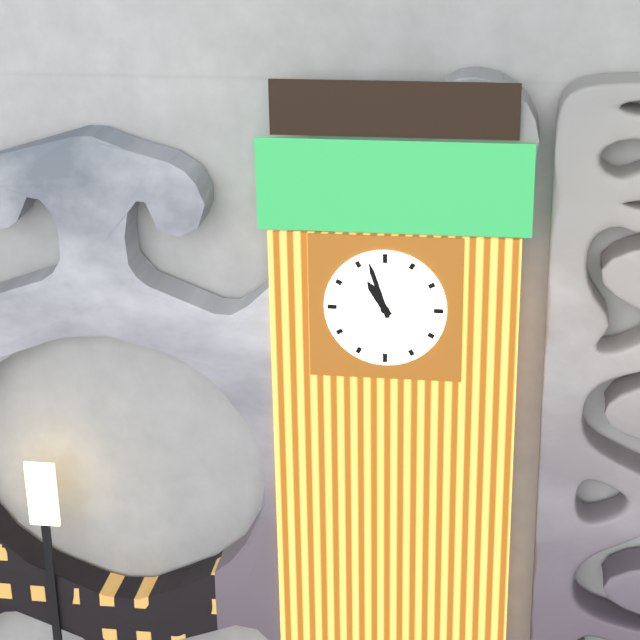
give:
10.57
